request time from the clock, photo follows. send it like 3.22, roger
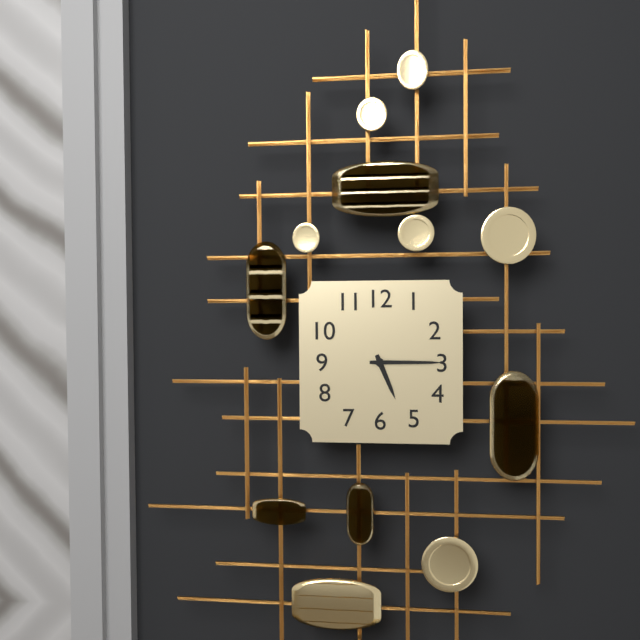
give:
5.15
